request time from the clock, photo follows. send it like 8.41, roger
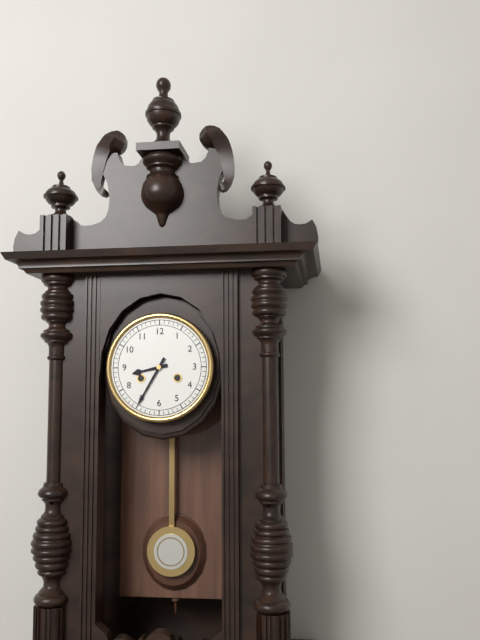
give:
8.35
